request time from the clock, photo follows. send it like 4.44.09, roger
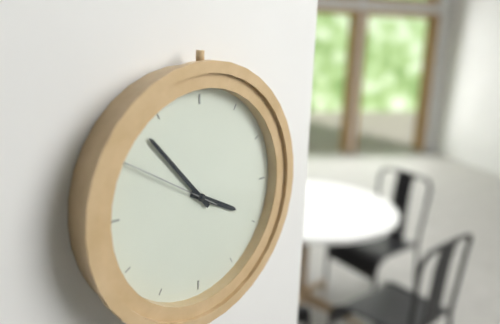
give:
3.53.50
